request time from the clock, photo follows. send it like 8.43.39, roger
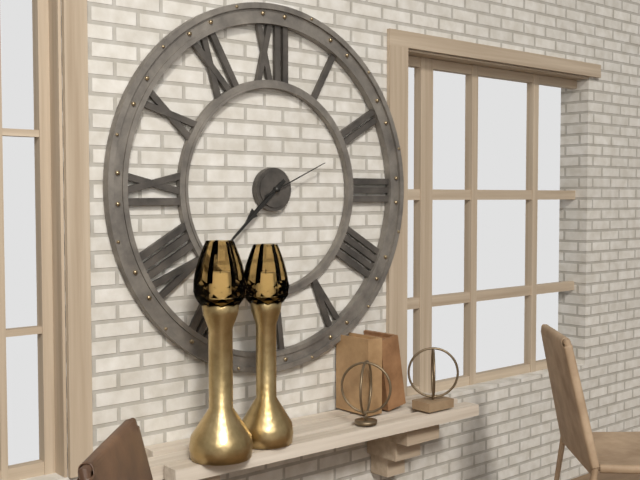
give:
7.38.11
